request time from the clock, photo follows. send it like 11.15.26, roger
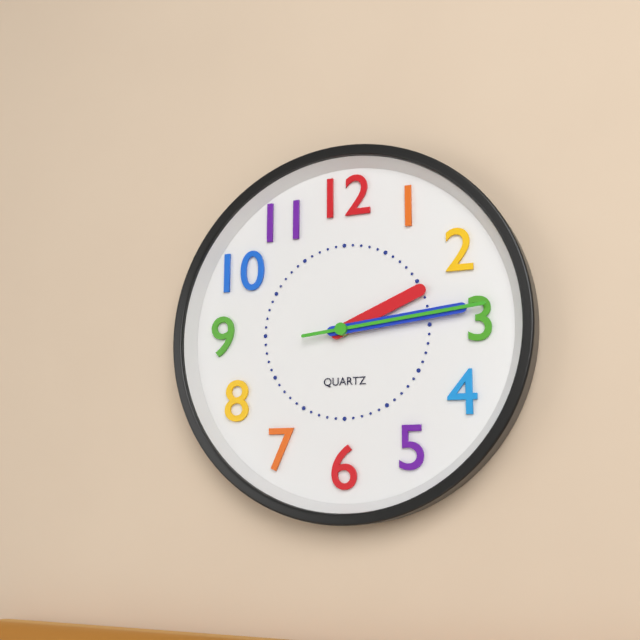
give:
2.14.14
